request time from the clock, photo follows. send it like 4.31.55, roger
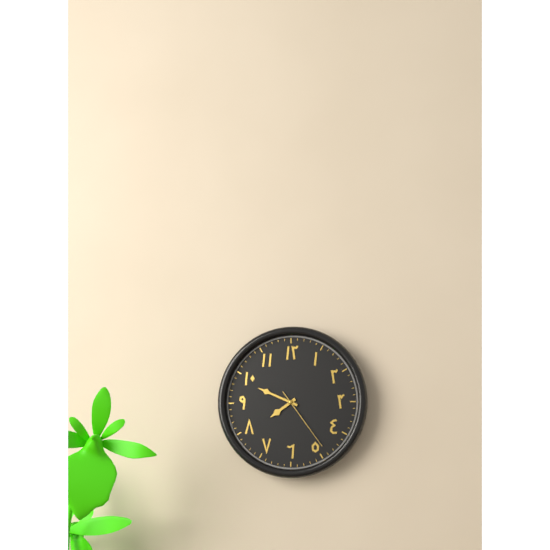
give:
7.49.24
